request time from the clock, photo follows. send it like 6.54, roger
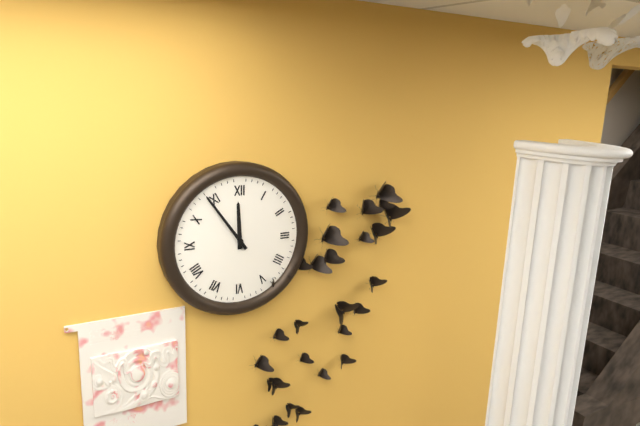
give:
11.54
